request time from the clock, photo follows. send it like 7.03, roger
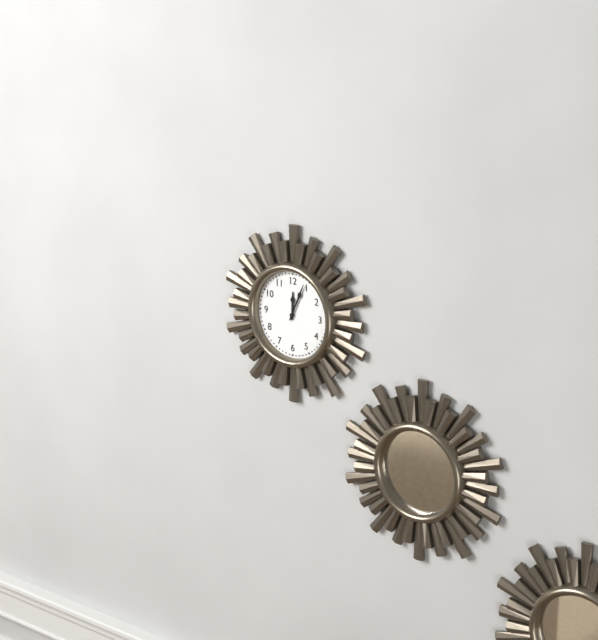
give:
12.04
